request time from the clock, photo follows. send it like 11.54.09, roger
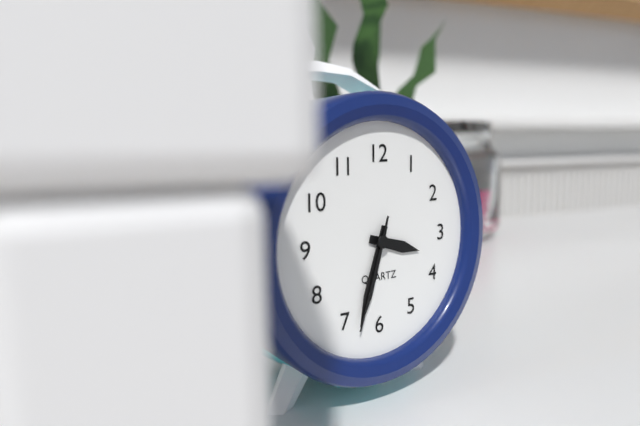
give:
3.33.33
